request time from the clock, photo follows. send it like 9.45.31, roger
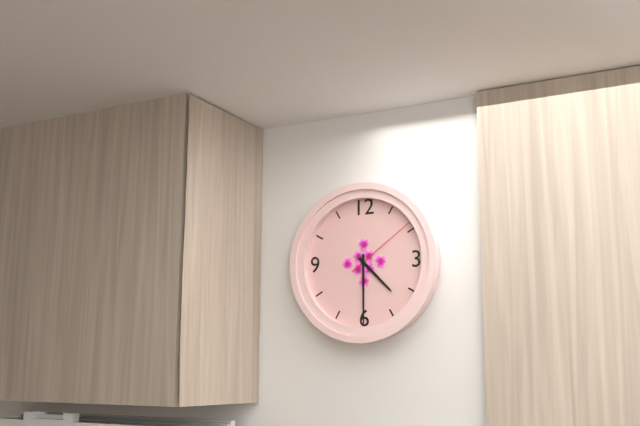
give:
4.30.09
